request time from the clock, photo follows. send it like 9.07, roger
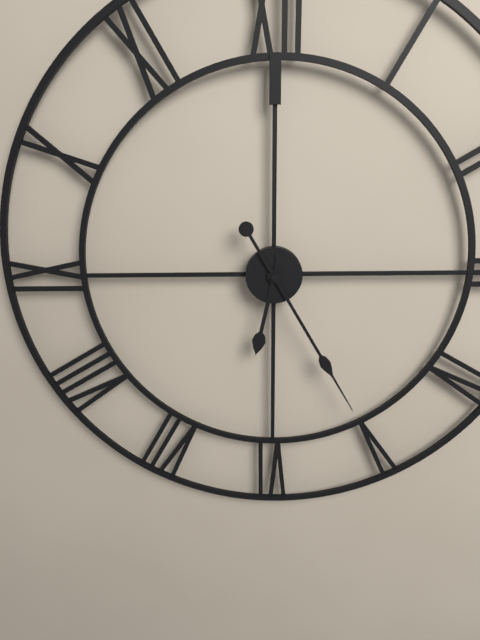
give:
6.25
